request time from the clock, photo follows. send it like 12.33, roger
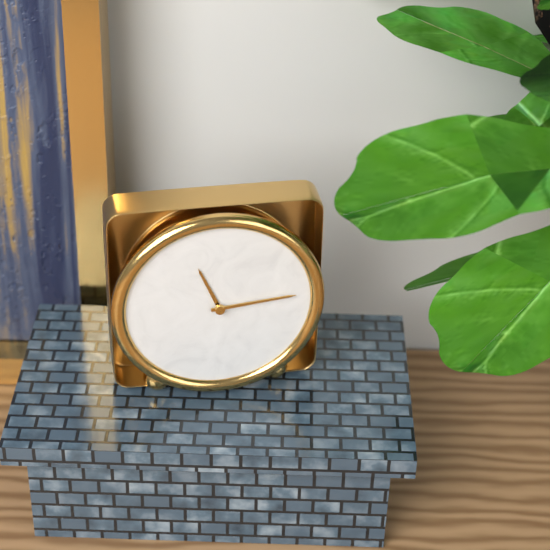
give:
11.14
